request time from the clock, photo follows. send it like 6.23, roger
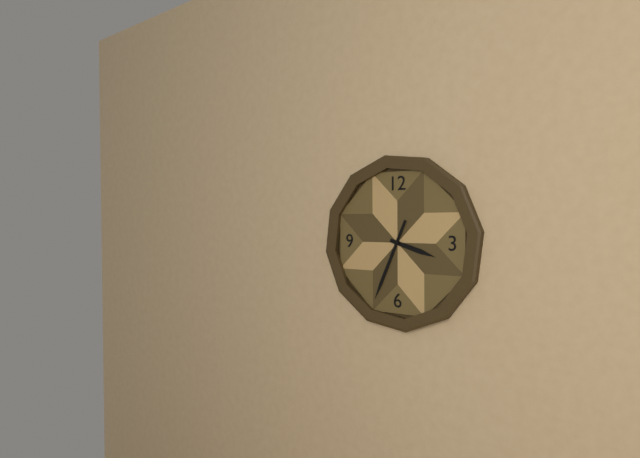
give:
3.34
